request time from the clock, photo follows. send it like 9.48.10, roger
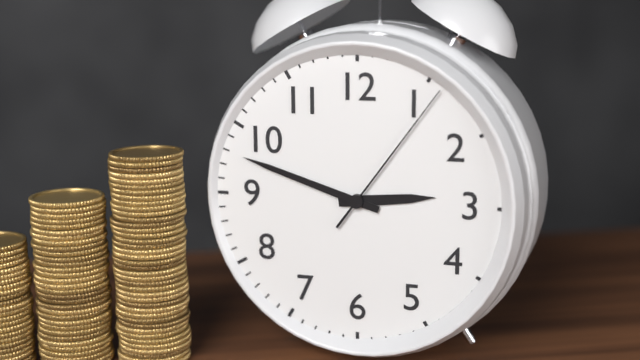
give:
2.48.06
